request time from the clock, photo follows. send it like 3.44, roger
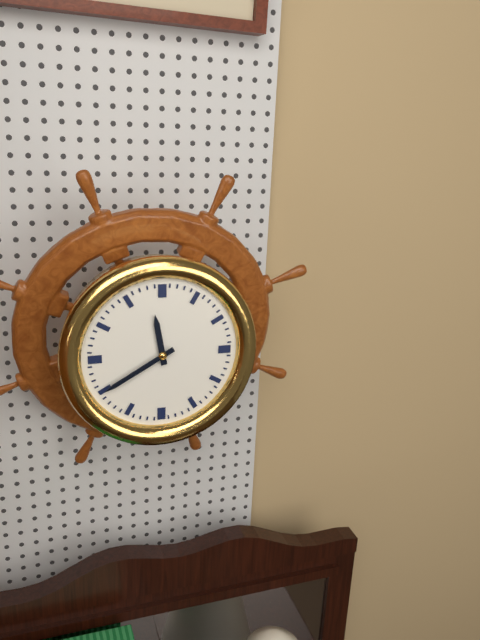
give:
11.40
